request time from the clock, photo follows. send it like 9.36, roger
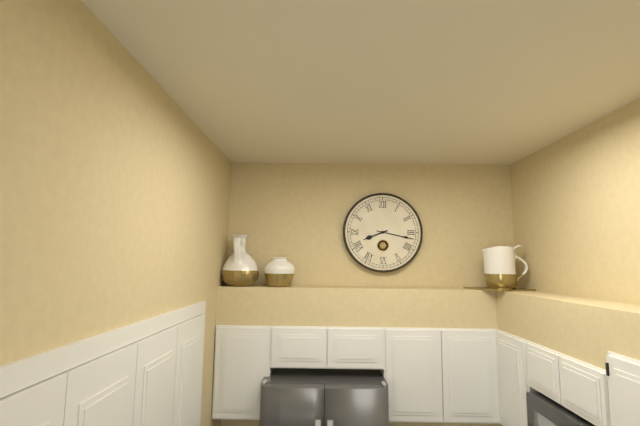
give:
8.17
